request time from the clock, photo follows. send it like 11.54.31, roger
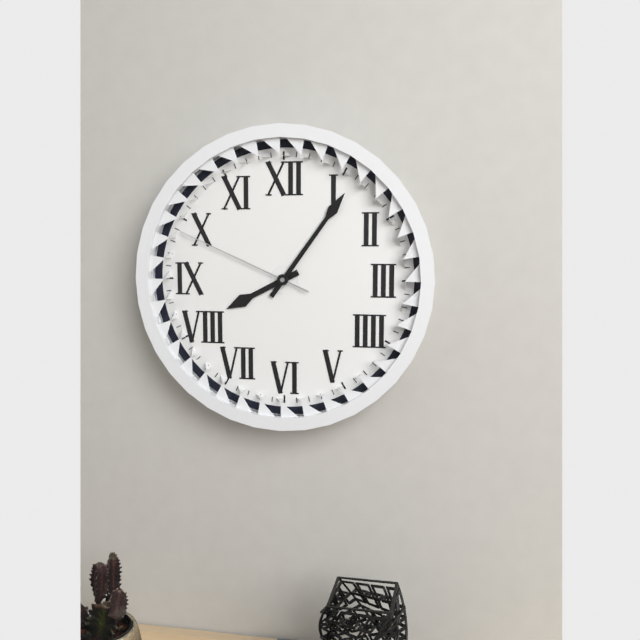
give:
8.06.49
